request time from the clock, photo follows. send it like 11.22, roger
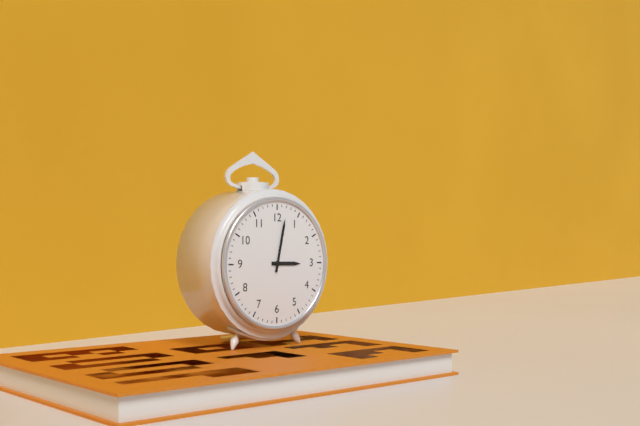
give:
3.02
